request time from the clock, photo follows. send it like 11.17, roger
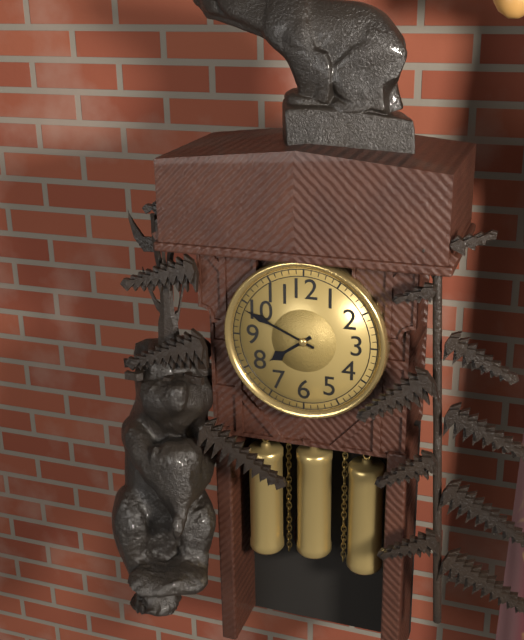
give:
7.49
